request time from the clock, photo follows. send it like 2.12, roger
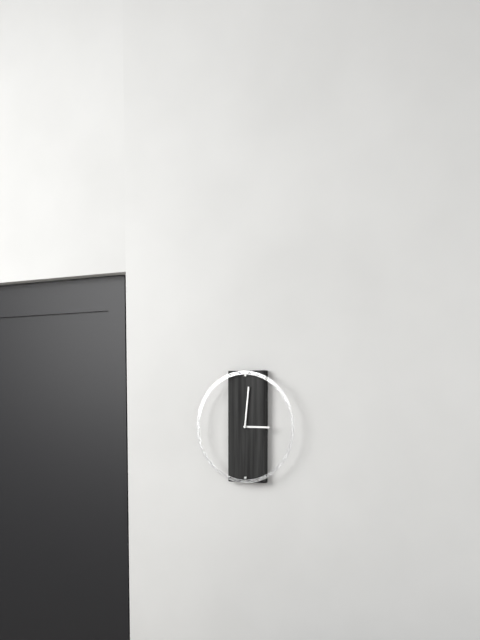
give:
3.01
